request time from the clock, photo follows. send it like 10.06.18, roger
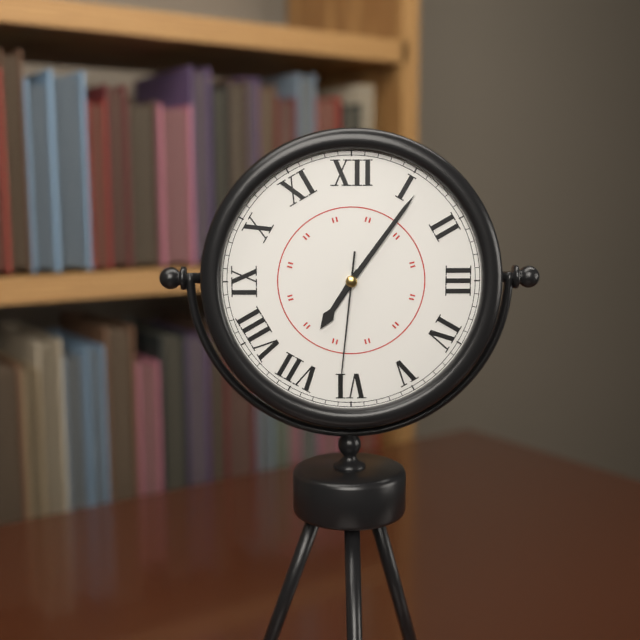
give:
7.06.31
